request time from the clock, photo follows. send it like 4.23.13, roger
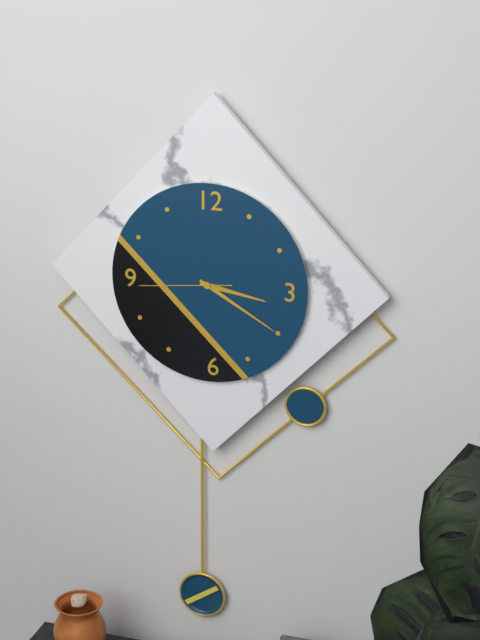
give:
3.20.44
